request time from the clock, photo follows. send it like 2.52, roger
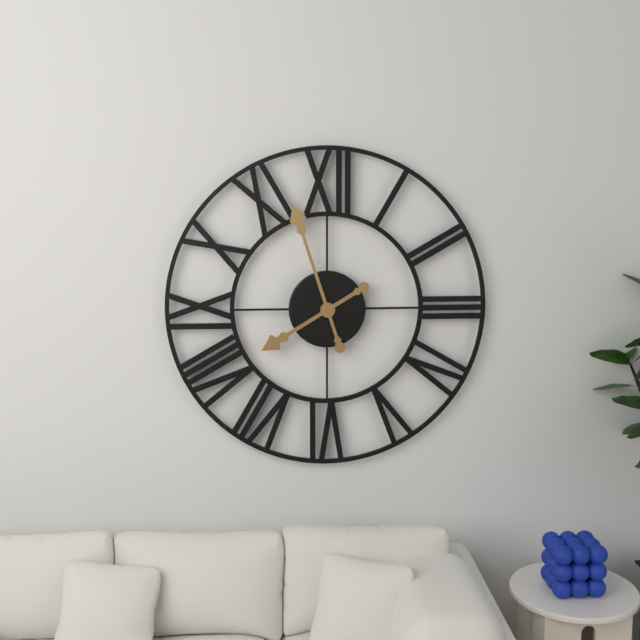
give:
7.57
